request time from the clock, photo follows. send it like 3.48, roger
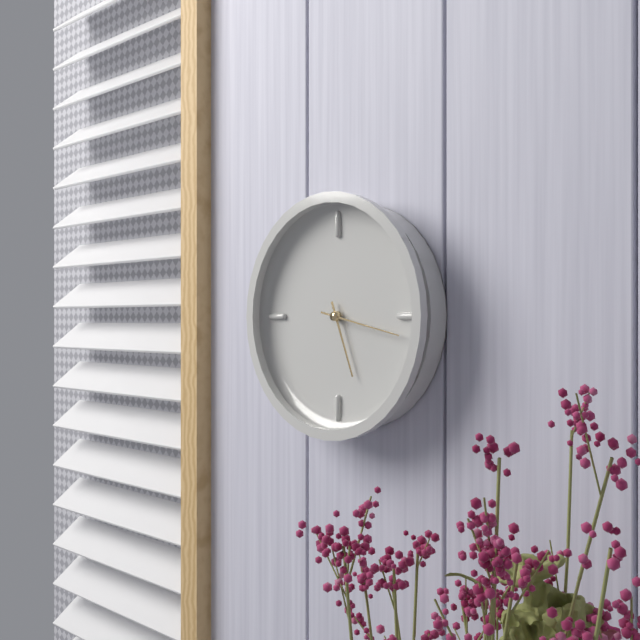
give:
5.17
